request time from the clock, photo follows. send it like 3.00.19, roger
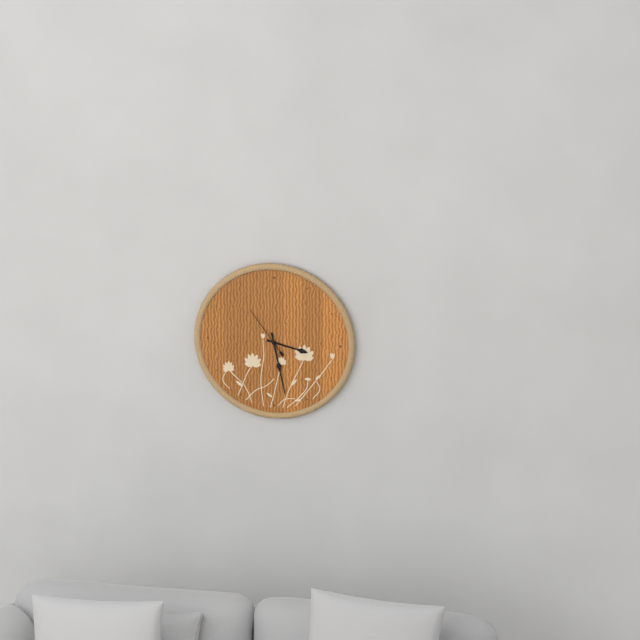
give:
3.28.54
